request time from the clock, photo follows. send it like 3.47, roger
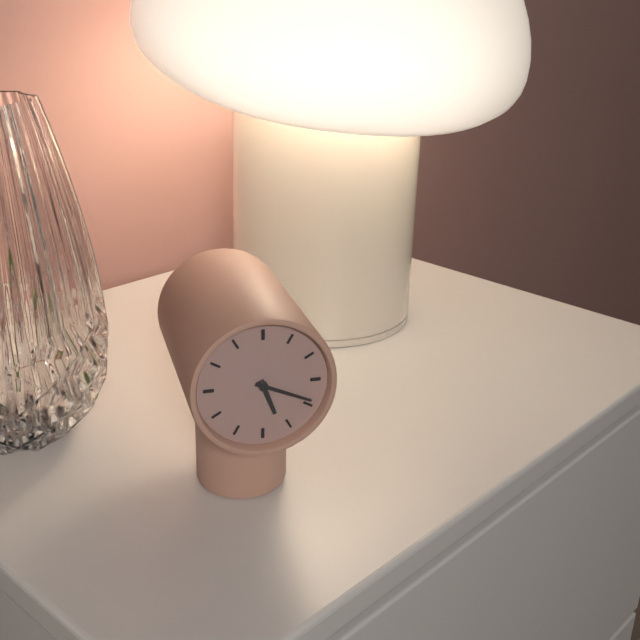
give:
5.19
